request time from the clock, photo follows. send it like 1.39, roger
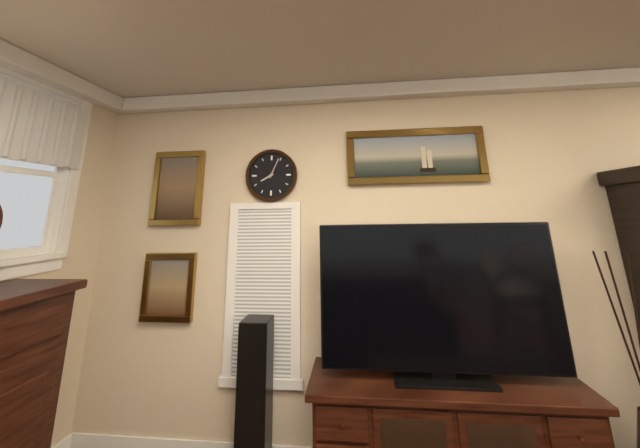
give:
8.04
